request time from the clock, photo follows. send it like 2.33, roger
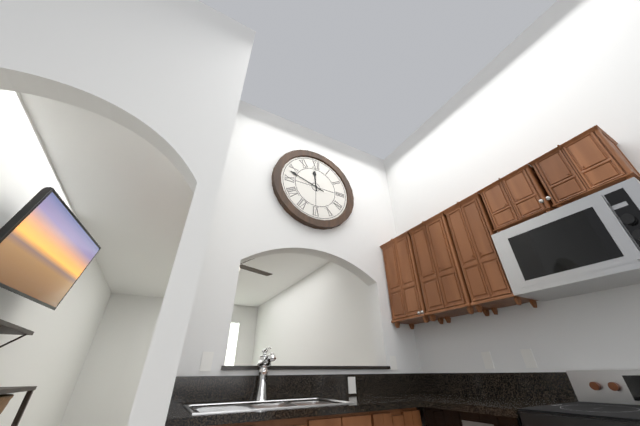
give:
11.48
